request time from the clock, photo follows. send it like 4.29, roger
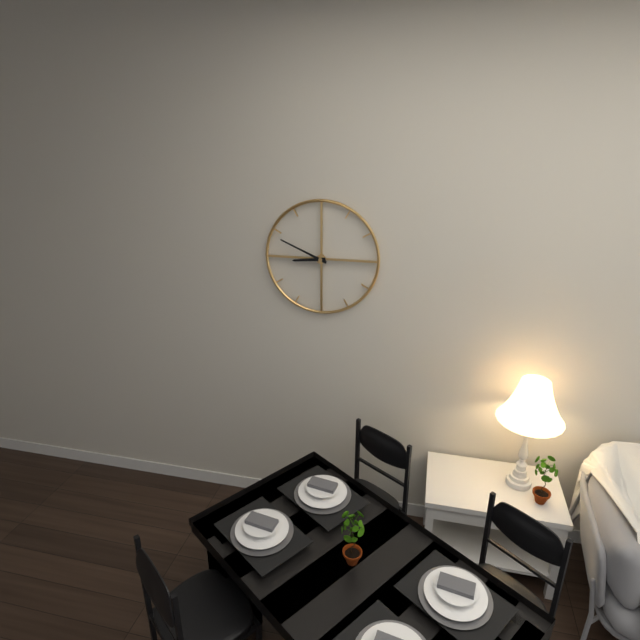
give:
8.49
